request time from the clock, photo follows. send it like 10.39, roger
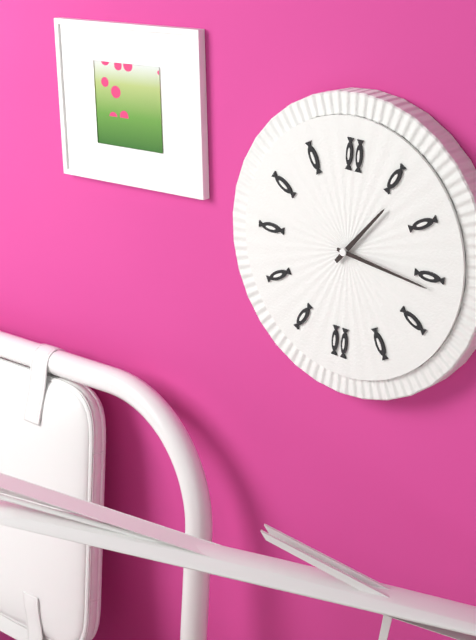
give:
1.16
